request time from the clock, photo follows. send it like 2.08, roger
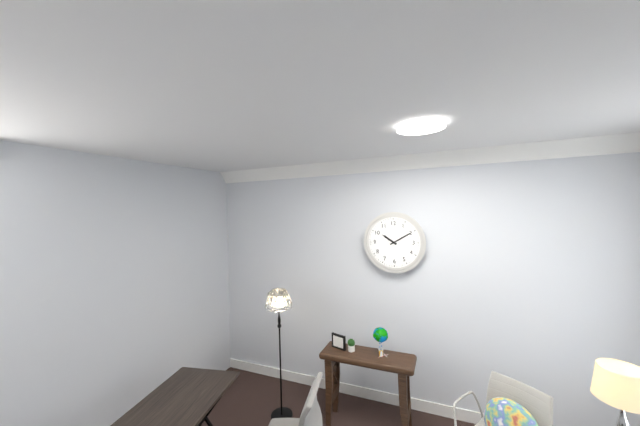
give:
10.10
